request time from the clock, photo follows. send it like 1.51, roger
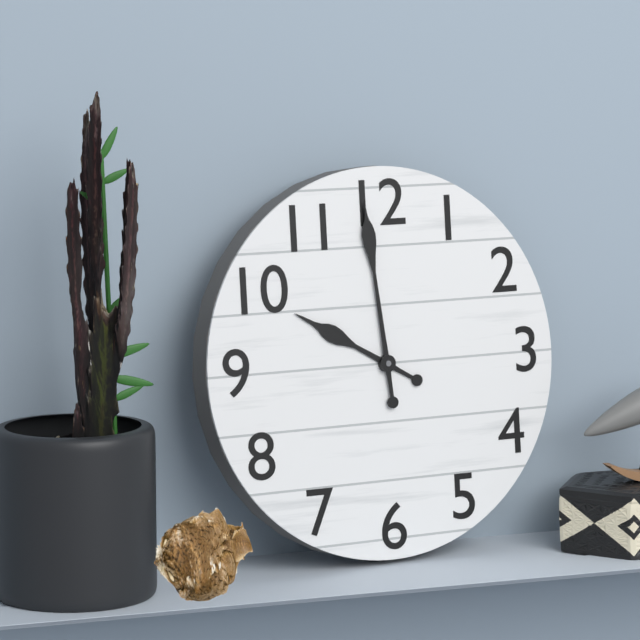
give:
9.59
